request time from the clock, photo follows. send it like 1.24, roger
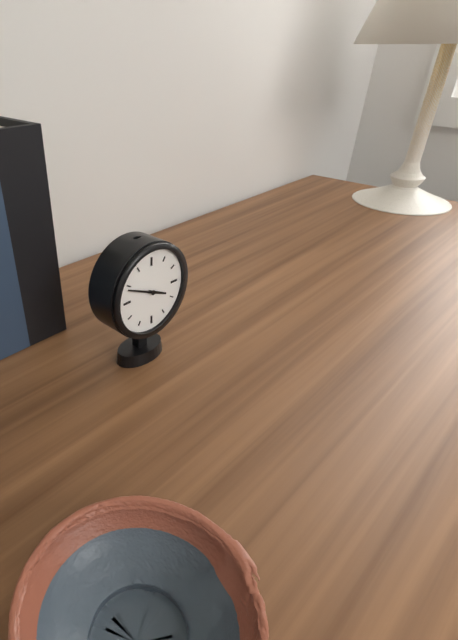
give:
3.49
